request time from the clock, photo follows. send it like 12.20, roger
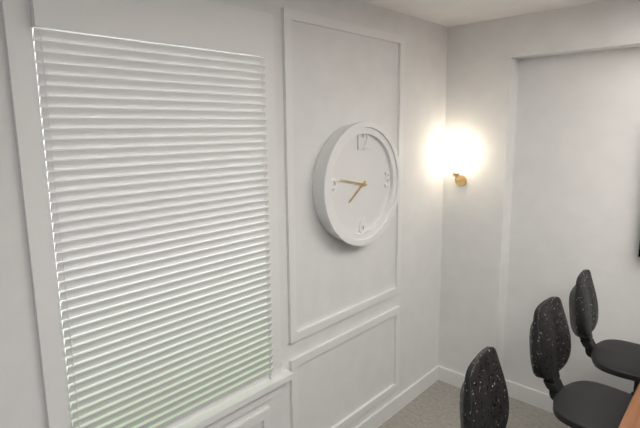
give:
7.47
